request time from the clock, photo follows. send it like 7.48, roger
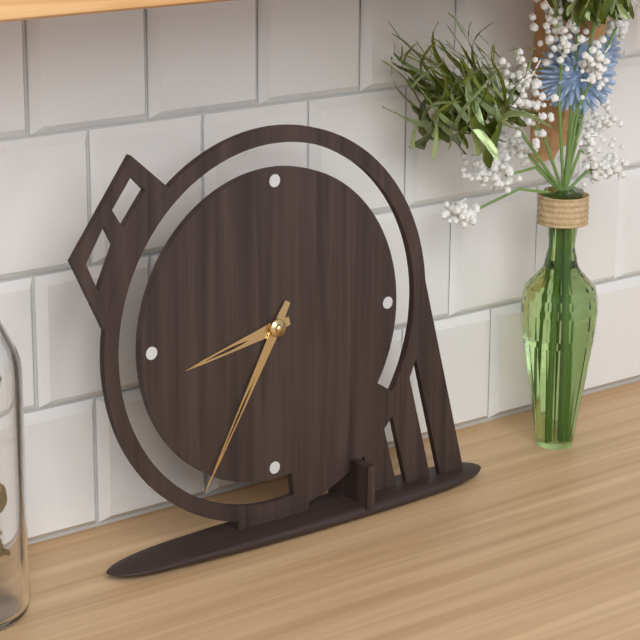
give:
8.35
